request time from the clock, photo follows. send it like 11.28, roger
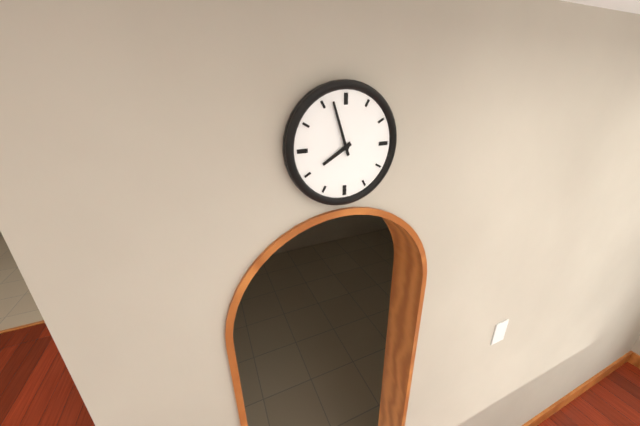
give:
7.57
